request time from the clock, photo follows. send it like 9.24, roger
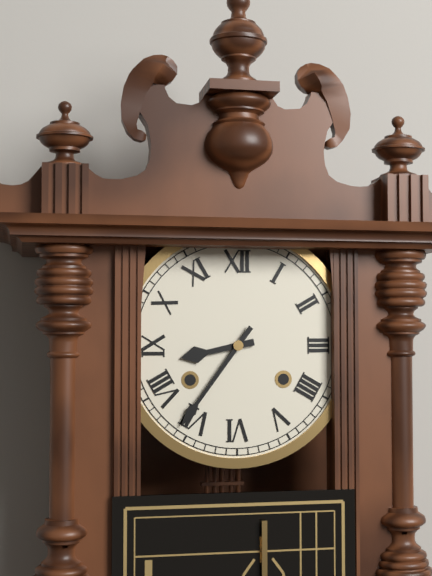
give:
8.36
